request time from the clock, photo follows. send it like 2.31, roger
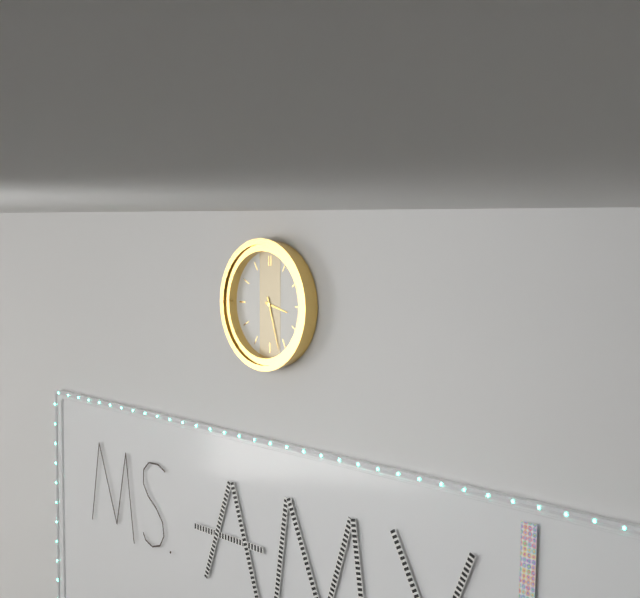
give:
3.27
